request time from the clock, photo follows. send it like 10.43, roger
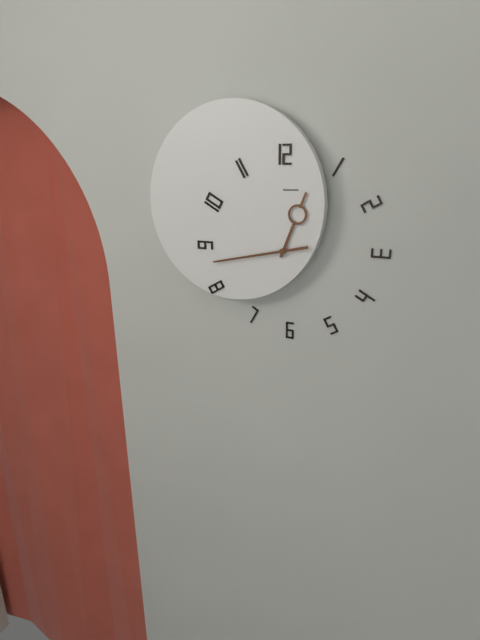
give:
12.43
